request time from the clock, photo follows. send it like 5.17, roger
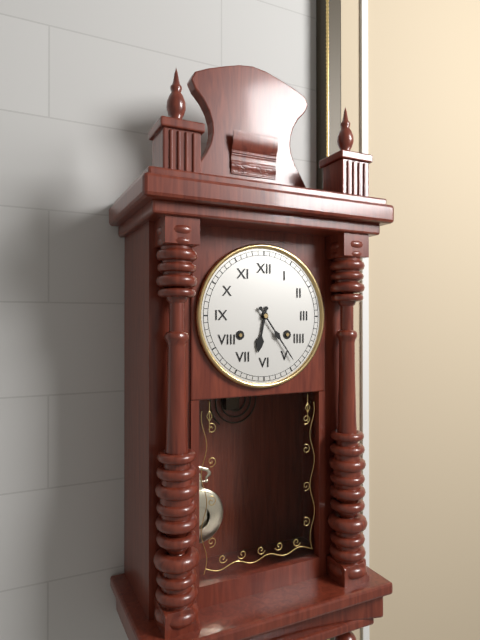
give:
6.24
